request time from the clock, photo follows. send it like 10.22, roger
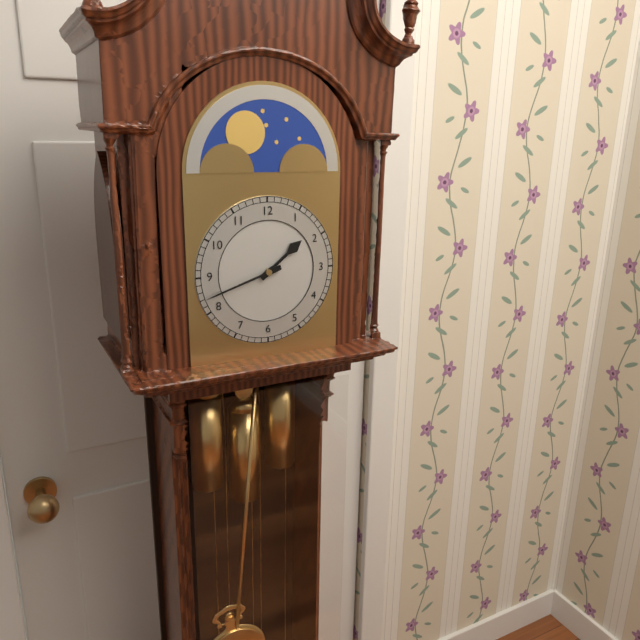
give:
1.42
